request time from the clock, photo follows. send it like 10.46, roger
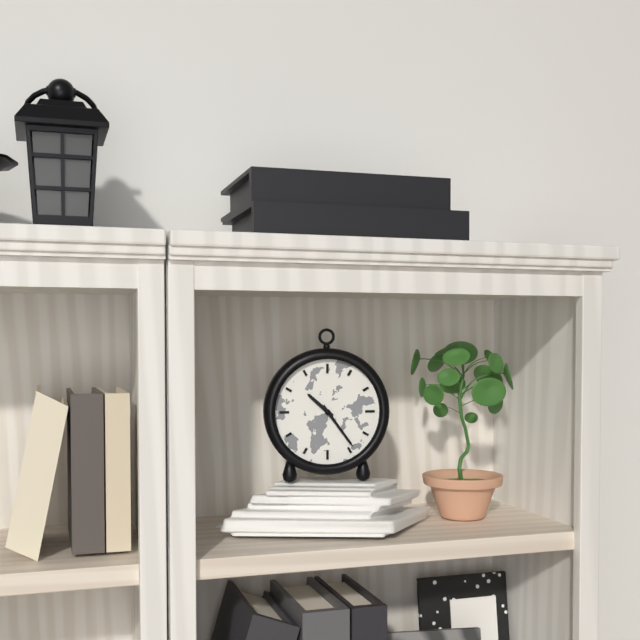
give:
10.24
